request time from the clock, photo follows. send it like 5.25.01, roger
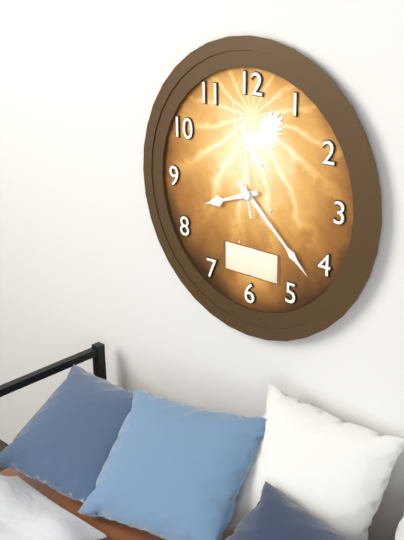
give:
8.22.58
